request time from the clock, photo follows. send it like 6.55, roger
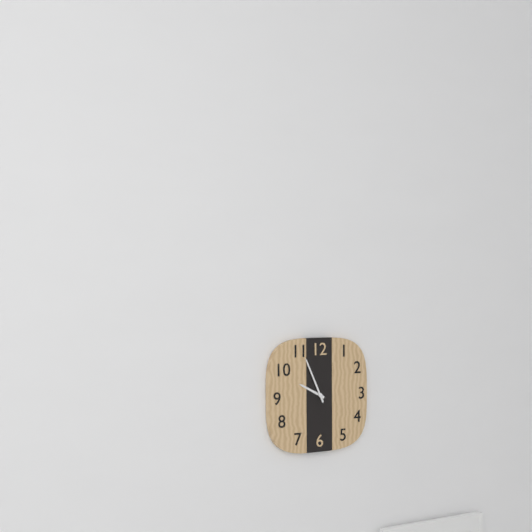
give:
9.56
